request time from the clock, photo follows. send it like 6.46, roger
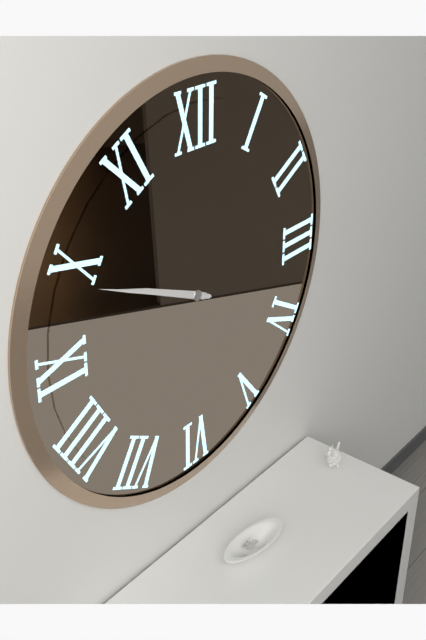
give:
9.49
